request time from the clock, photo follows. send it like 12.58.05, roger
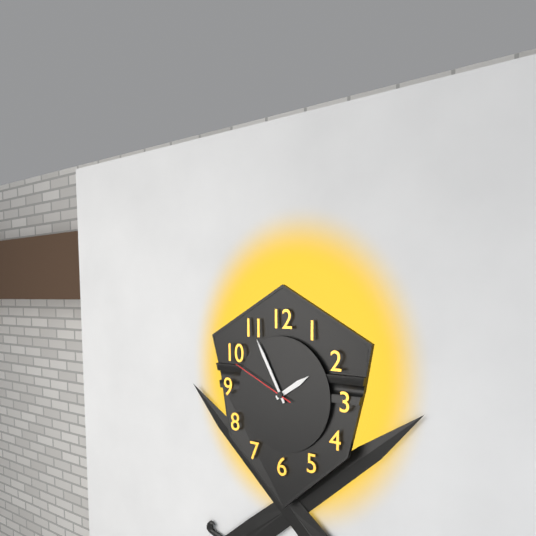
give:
1.55.49
